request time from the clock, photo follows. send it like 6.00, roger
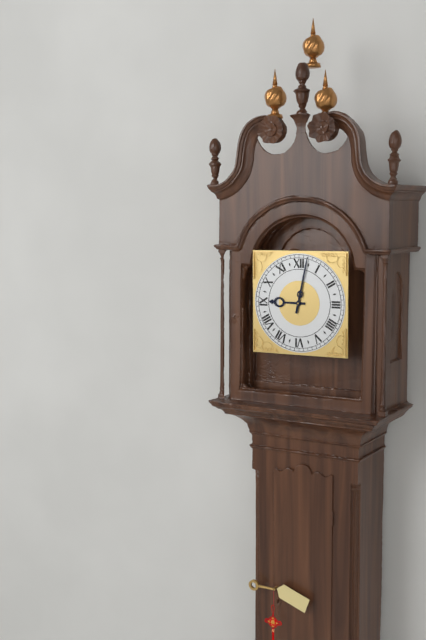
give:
9.02
